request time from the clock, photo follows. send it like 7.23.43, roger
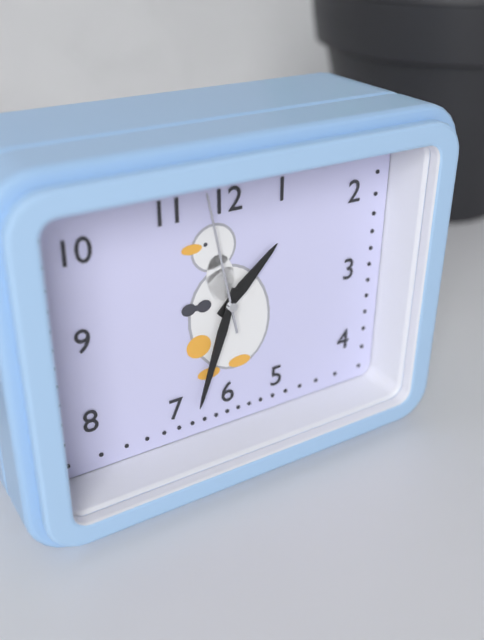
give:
1.33.58
